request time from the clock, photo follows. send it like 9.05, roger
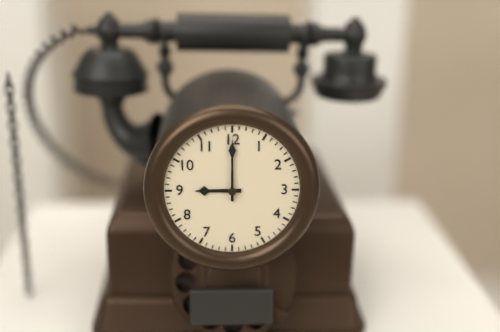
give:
9.00
